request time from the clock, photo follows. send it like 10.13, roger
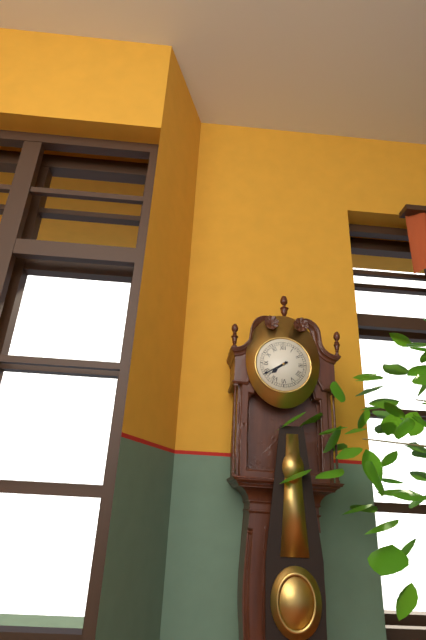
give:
7.40
